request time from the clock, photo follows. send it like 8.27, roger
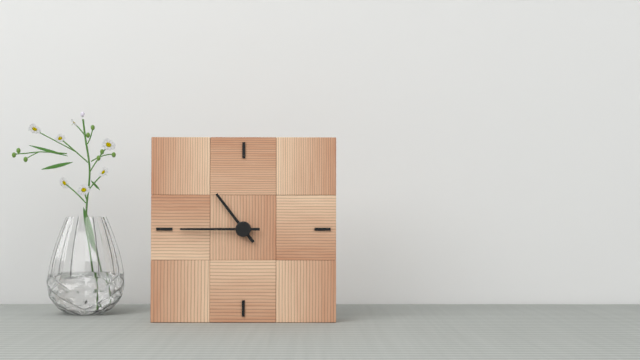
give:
10.45
